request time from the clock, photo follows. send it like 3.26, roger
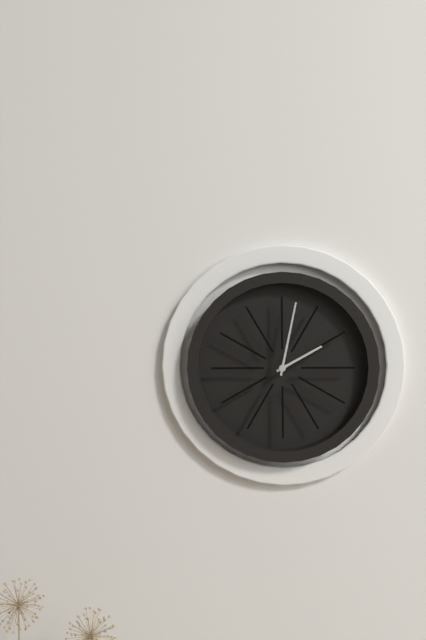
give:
2.02
